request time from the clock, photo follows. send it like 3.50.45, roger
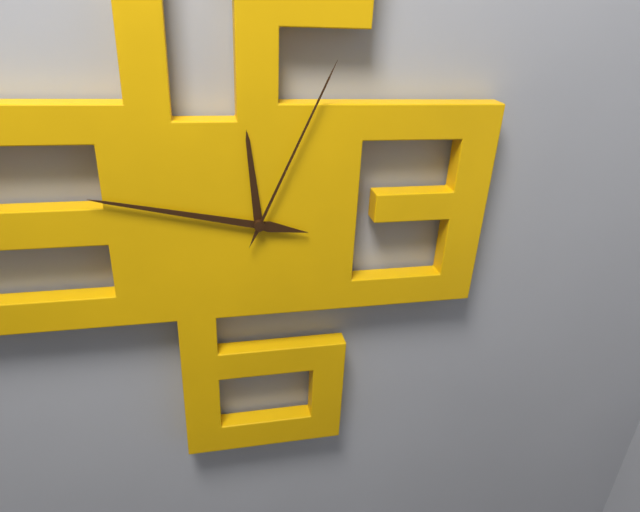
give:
11.47.04
